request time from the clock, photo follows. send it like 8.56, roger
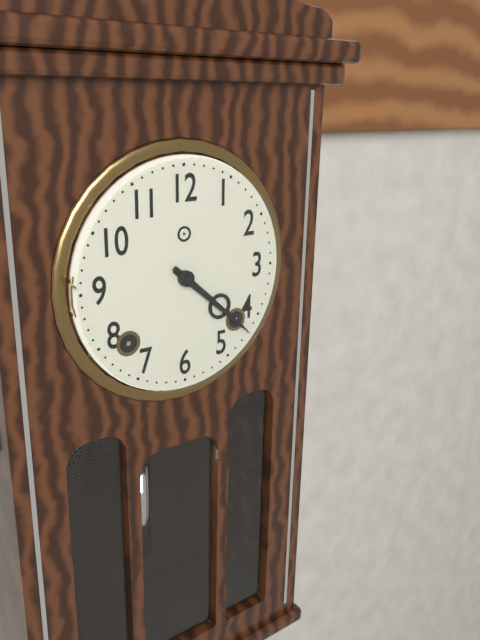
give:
4.22
